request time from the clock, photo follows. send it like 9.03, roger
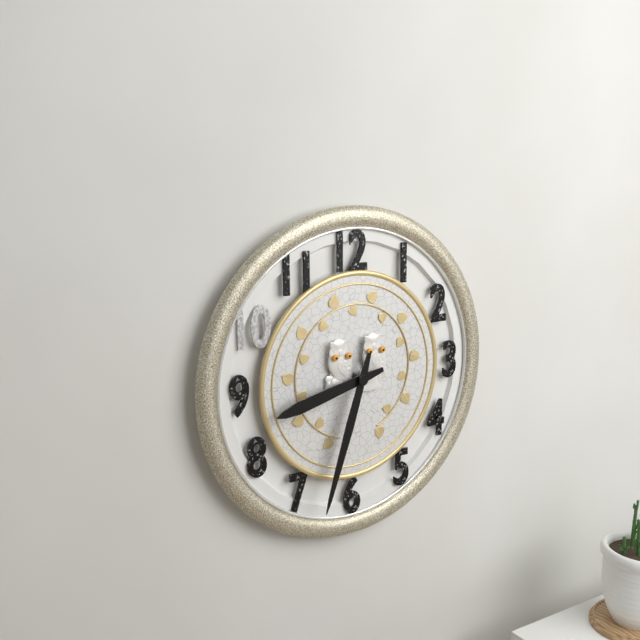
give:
8.33
